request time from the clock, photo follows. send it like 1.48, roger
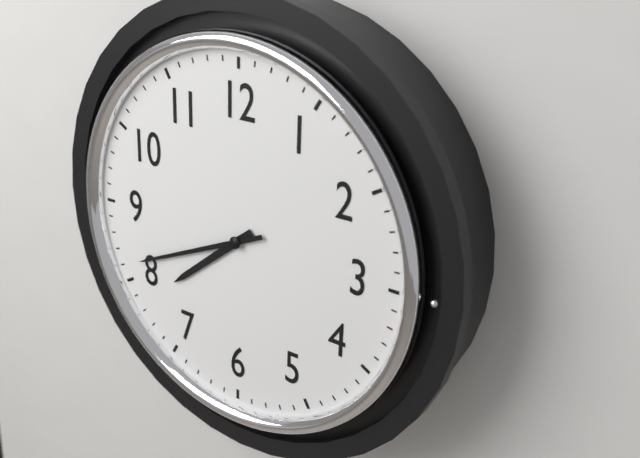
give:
7.41
